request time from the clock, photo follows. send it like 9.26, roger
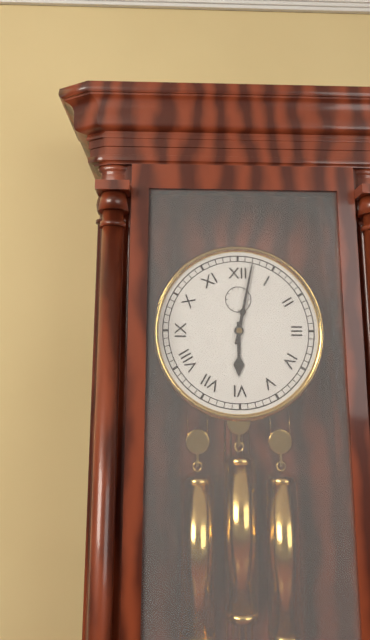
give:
6.02
